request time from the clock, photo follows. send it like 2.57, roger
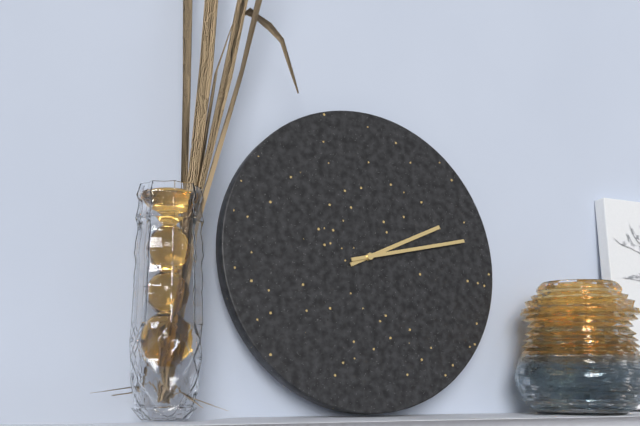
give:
2.13
